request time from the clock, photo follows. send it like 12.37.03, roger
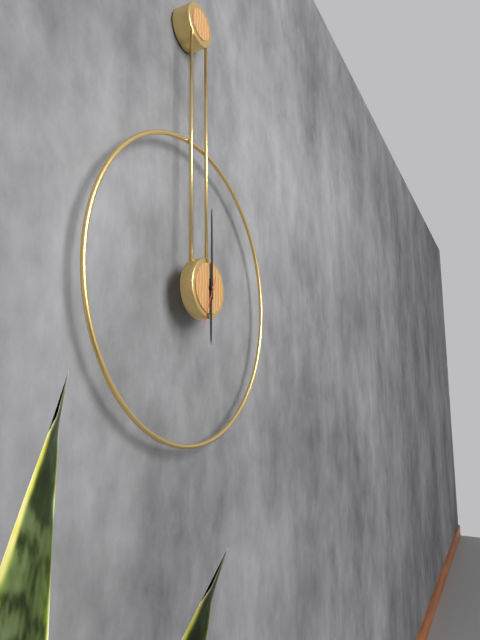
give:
6.00.34
